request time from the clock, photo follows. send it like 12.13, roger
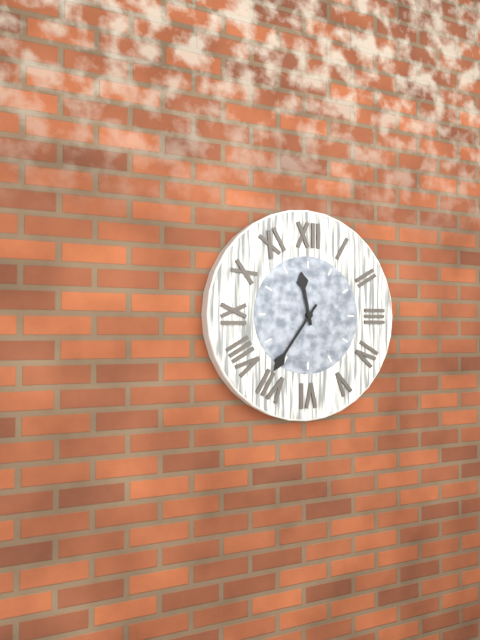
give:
11.36
